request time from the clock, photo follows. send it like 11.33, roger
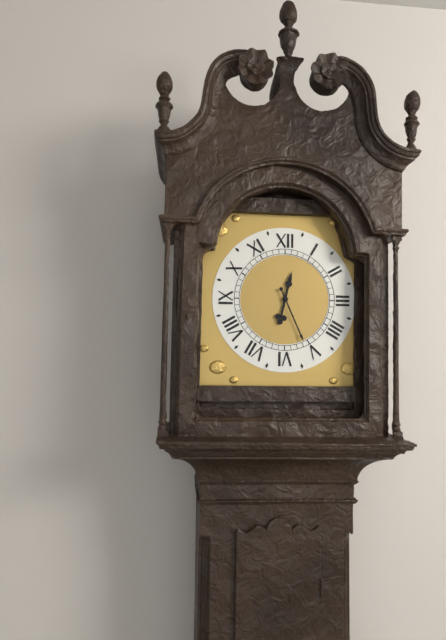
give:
12.26
